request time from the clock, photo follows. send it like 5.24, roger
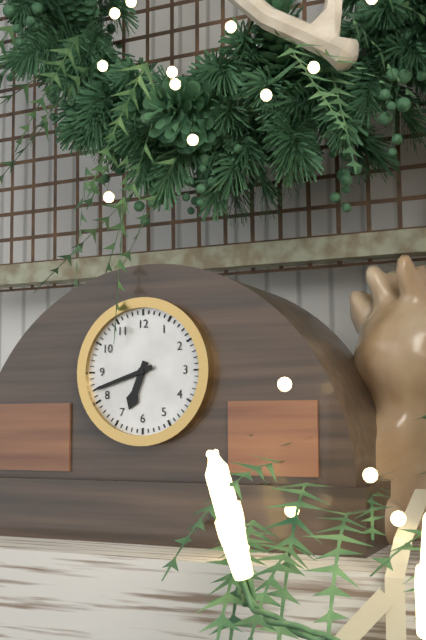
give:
6.42
